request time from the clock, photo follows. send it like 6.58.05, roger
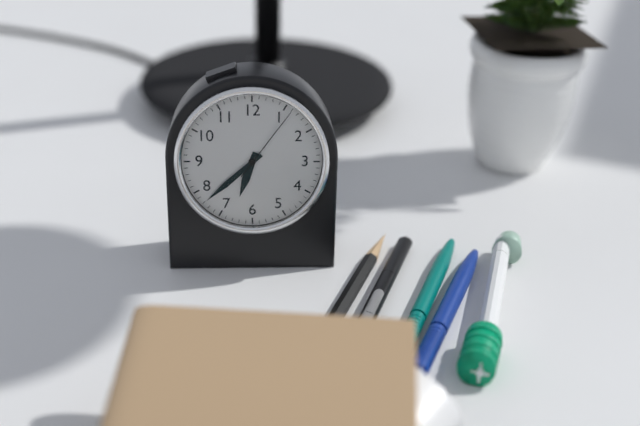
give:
6.38.06
